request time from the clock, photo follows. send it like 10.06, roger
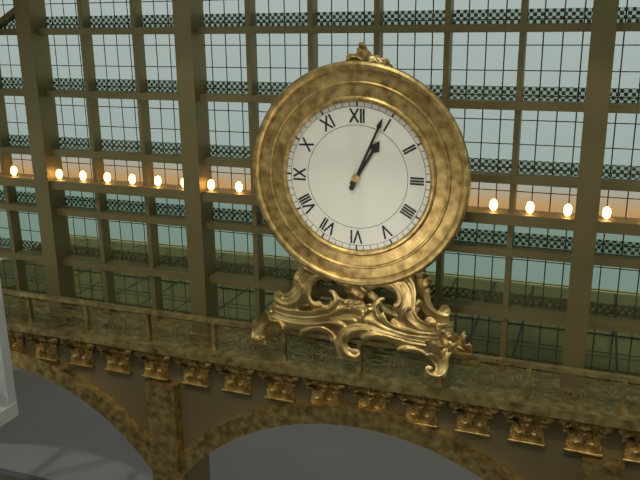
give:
1.04
